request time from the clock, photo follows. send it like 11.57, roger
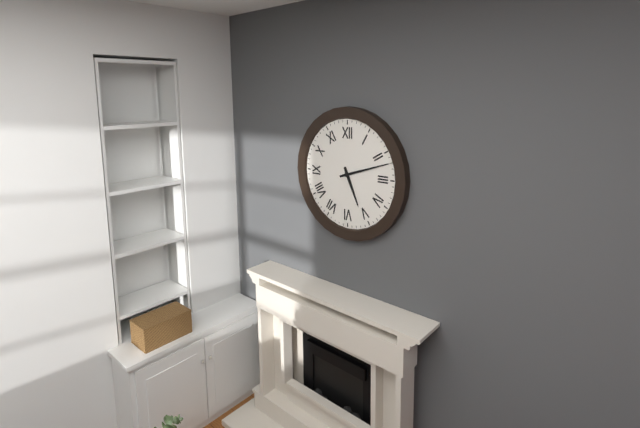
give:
5.12
